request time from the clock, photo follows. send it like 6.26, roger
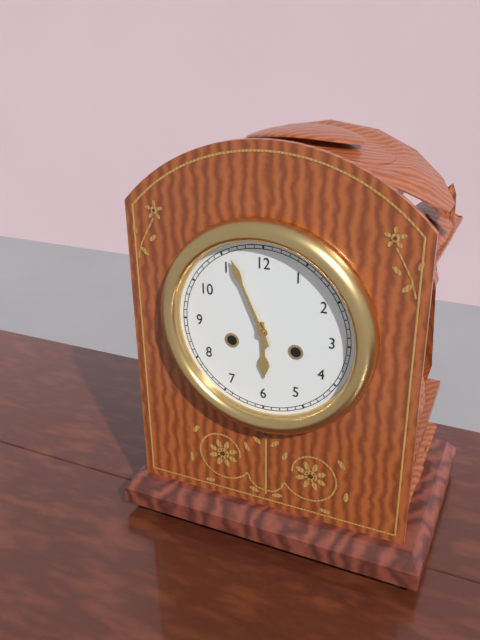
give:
5.56
